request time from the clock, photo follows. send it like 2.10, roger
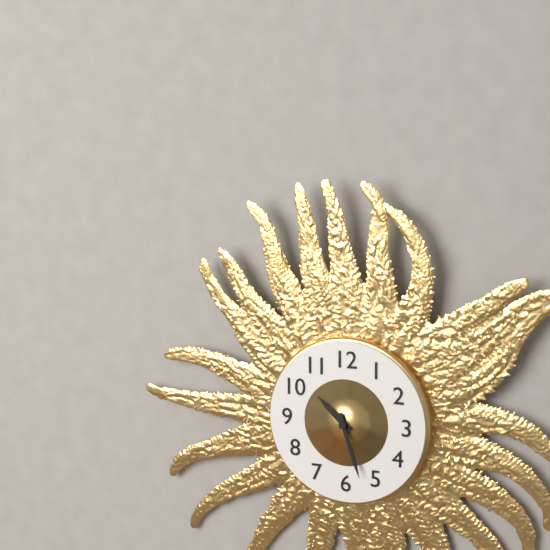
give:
10.27
